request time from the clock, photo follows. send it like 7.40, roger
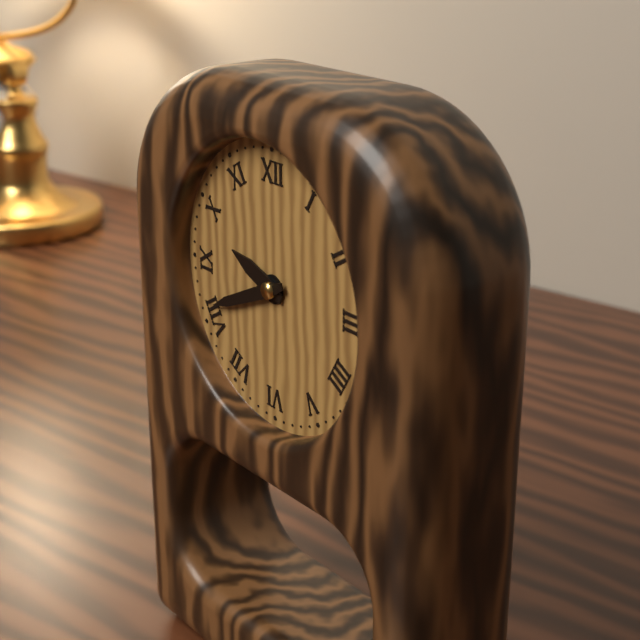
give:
9.41
